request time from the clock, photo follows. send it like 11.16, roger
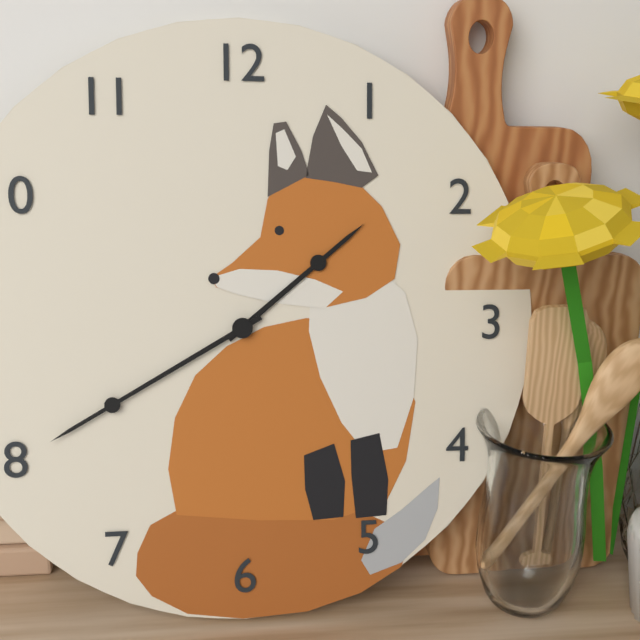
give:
1.40
